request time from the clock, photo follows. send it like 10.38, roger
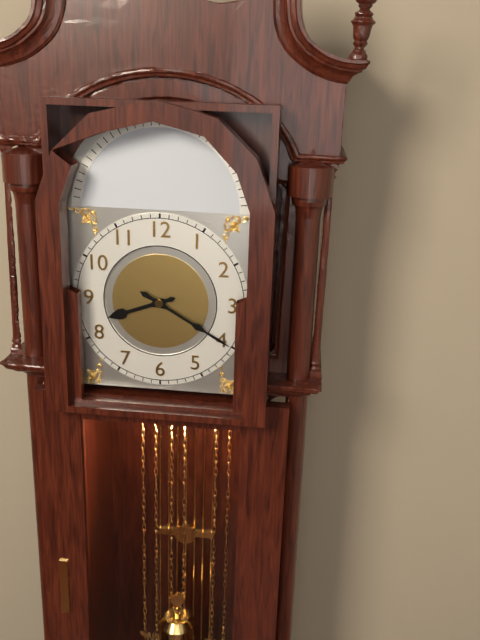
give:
8.20
